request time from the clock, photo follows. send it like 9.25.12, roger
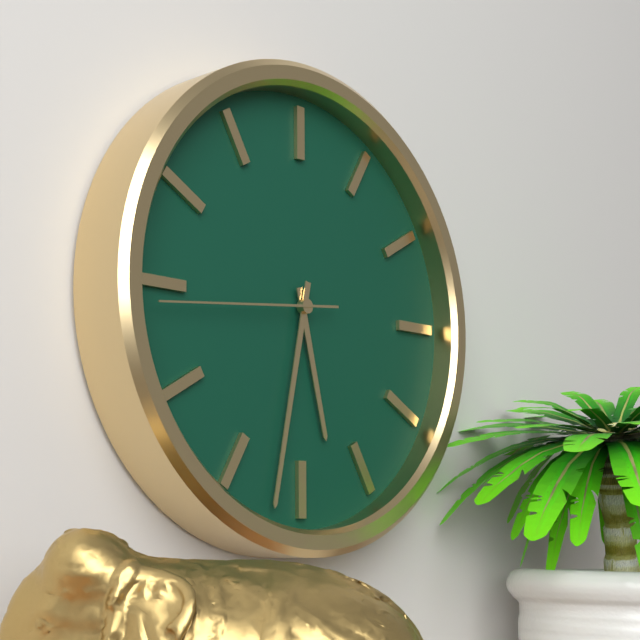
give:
5.32.44
